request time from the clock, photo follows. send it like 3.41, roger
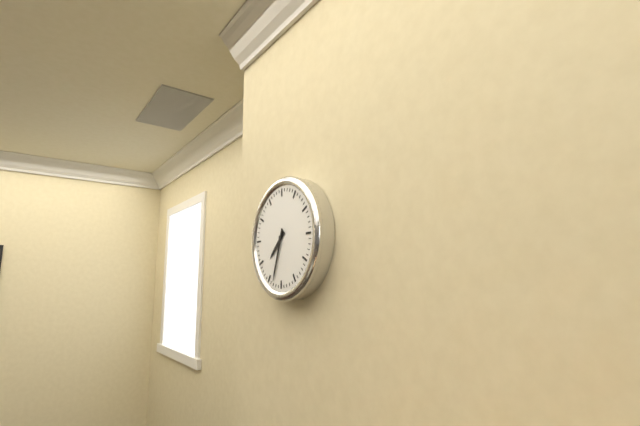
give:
7.33
